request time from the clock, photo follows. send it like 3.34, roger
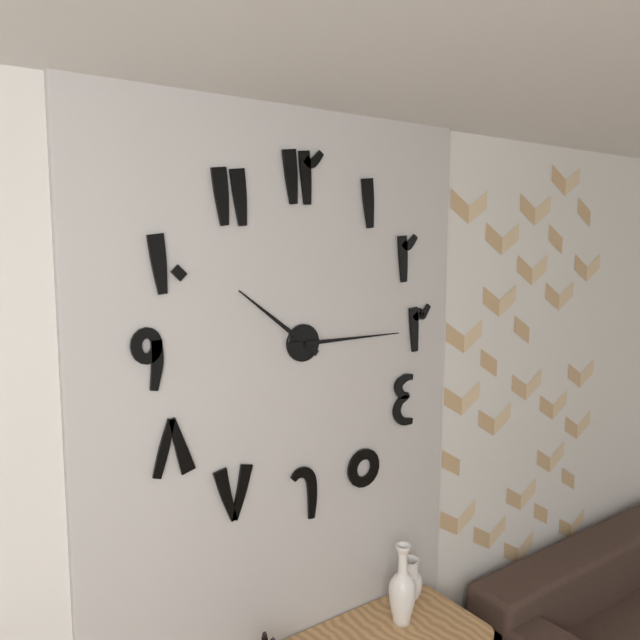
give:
10.15
